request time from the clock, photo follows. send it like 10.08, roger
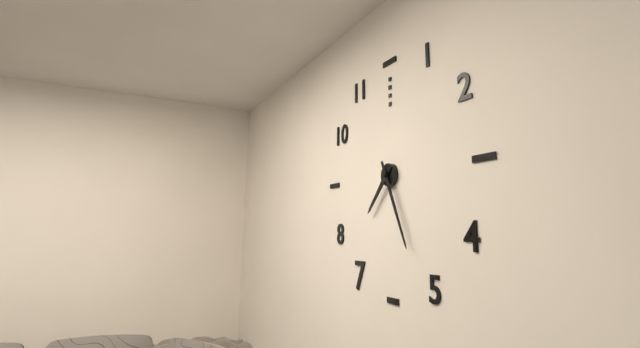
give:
7.26
